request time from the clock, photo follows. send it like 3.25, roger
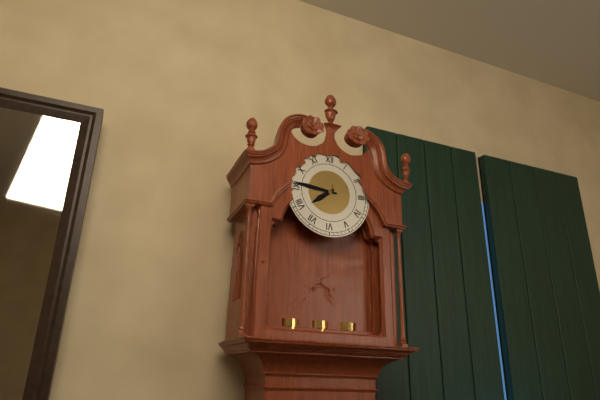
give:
7.46
